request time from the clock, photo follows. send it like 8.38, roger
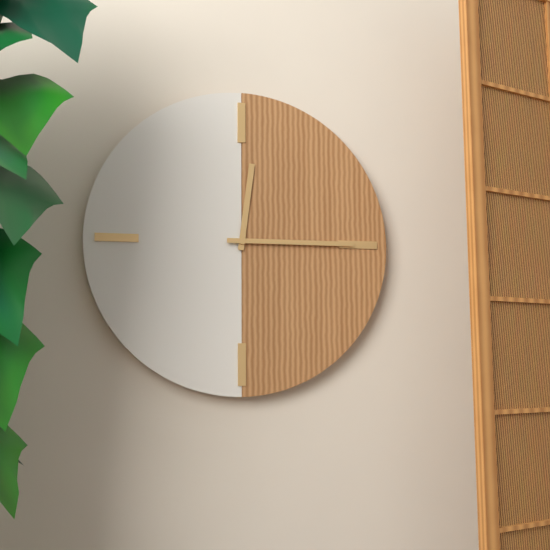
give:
12.15
